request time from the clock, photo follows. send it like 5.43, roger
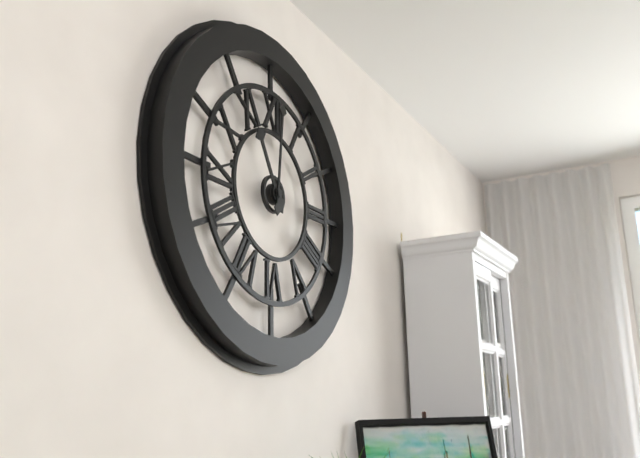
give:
11.01
